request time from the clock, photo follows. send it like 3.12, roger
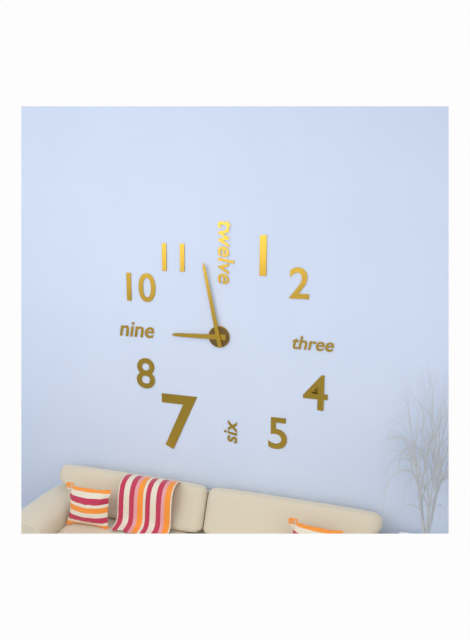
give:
8.58
